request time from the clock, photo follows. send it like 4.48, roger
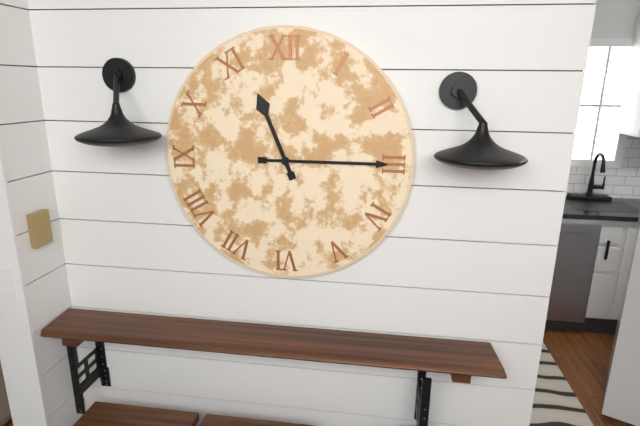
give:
11.15
